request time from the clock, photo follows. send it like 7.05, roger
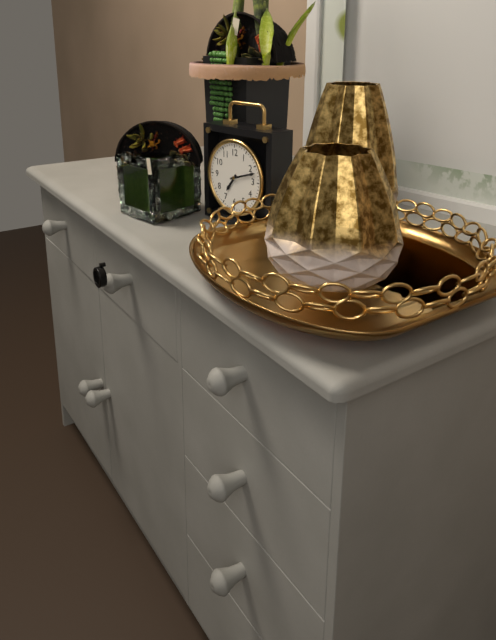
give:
7.12
